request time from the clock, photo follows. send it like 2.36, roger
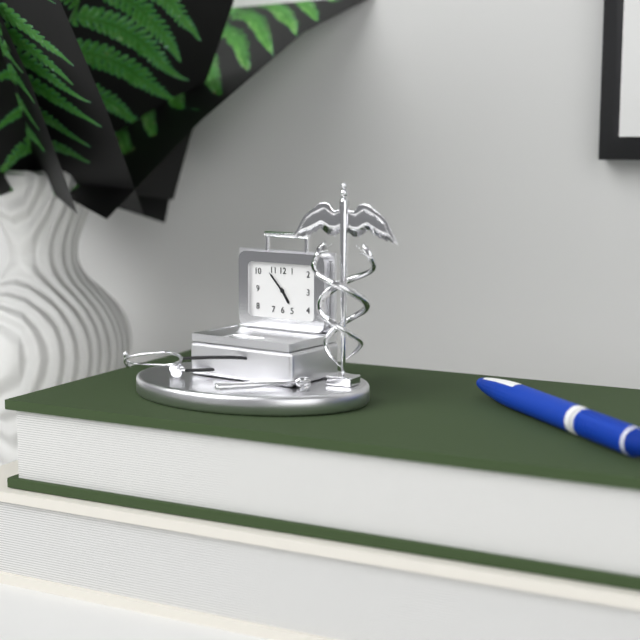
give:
4.53
